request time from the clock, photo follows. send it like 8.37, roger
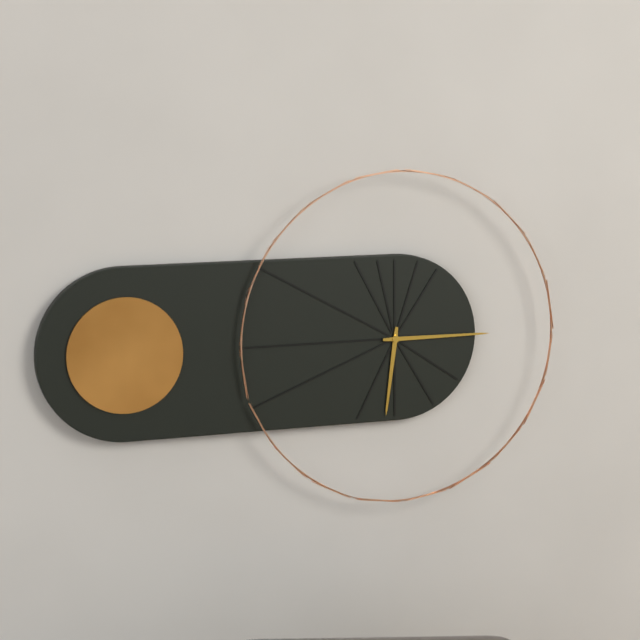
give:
6.15
